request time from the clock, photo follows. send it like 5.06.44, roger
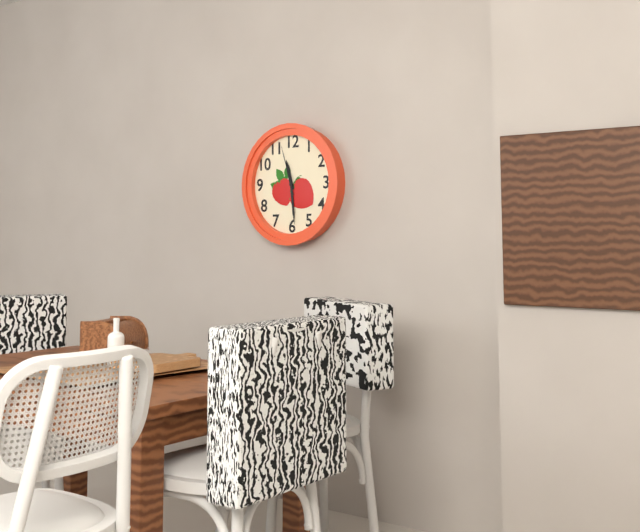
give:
11.29.57
